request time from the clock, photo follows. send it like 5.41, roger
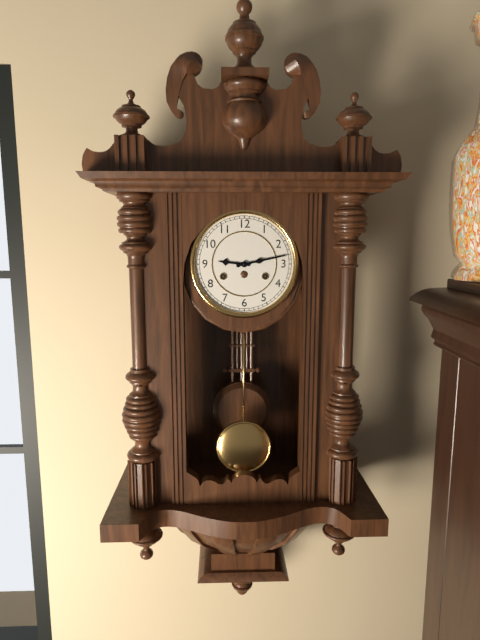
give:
9.13
